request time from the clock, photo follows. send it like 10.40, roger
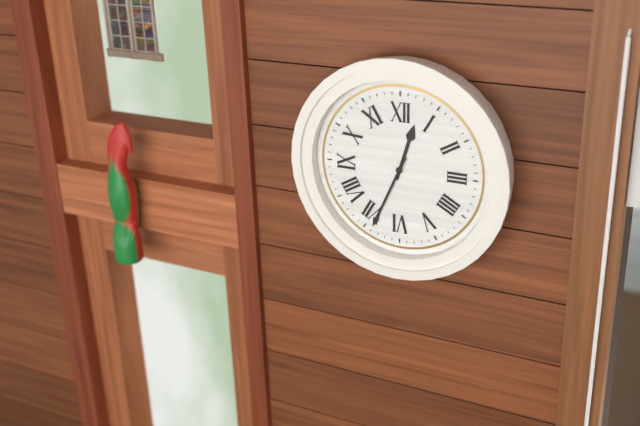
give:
12.34
